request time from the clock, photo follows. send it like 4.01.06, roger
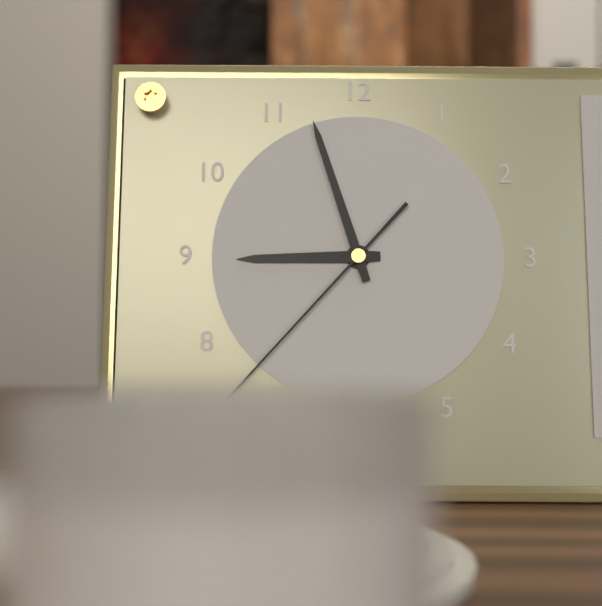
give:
8.57.37
